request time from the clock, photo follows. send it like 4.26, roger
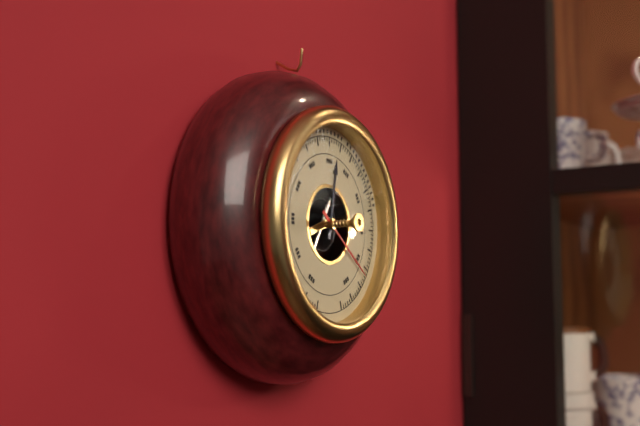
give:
12.21
